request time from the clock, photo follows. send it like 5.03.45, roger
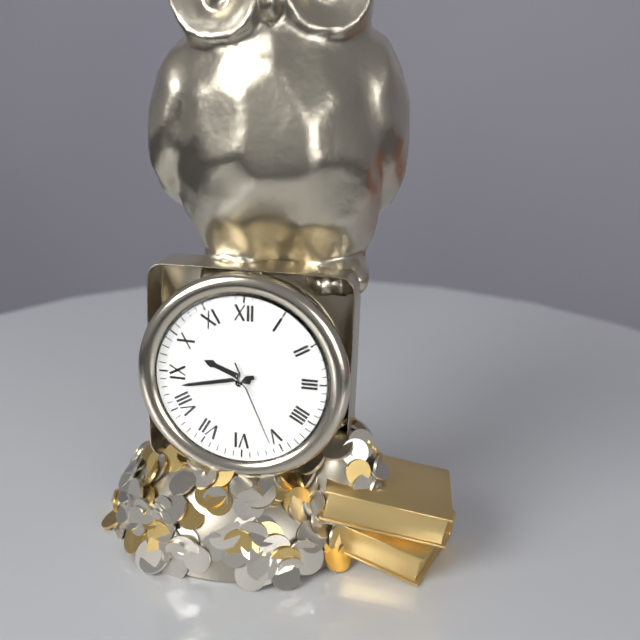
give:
9.43.26
